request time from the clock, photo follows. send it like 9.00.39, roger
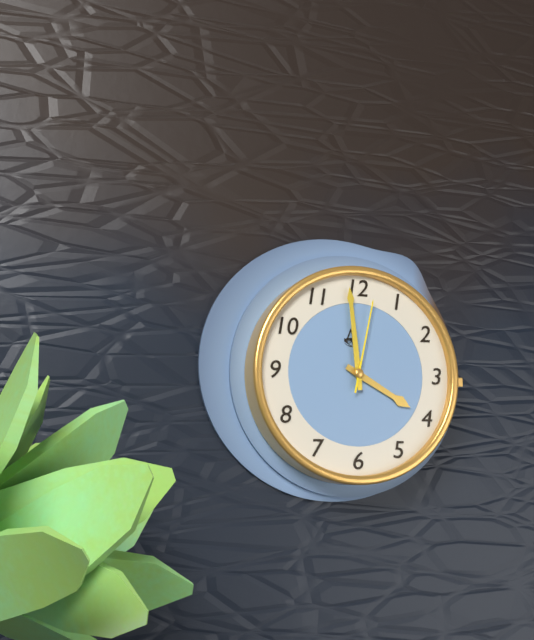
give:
3.59.02
